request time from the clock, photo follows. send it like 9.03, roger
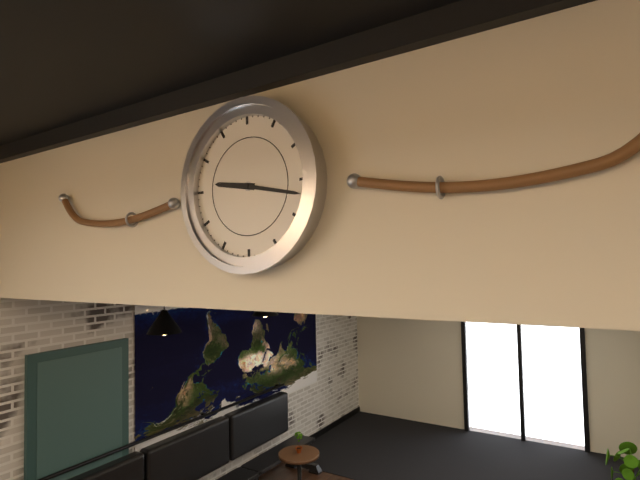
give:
9.17
